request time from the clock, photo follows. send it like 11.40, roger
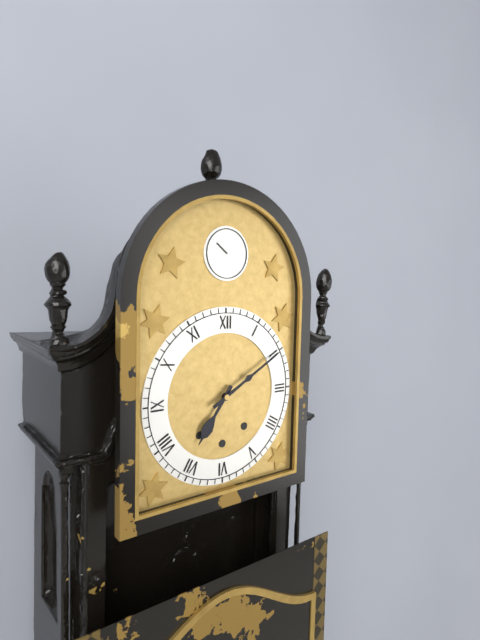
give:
7.10
